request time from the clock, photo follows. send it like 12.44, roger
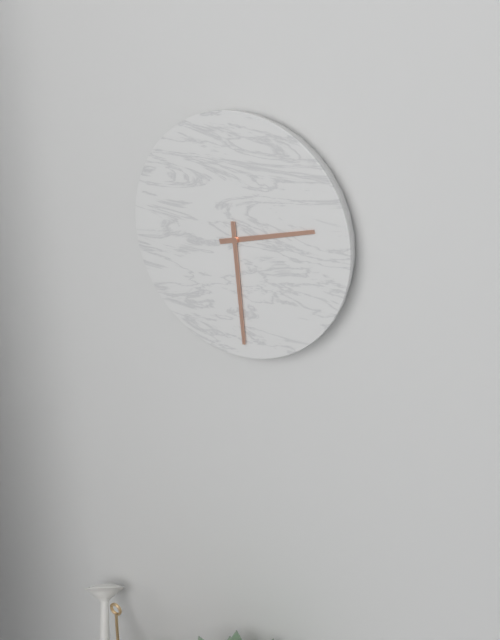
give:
2.29
